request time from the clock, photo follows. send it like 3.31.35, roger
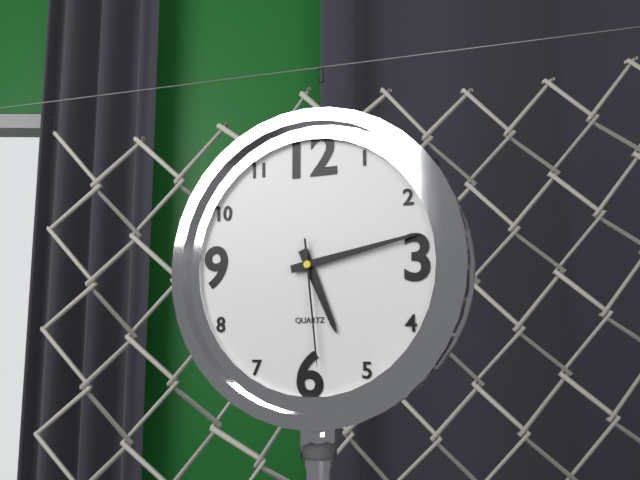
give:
5.13.29
